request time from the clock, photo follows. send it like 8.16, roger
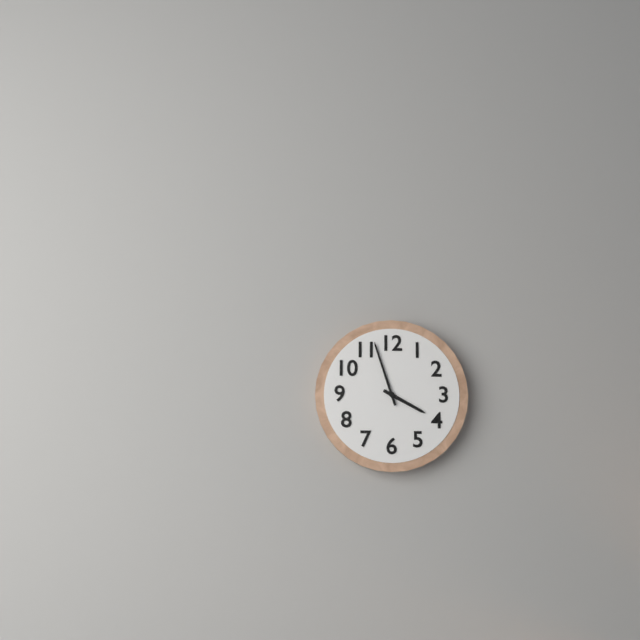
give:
3.57
